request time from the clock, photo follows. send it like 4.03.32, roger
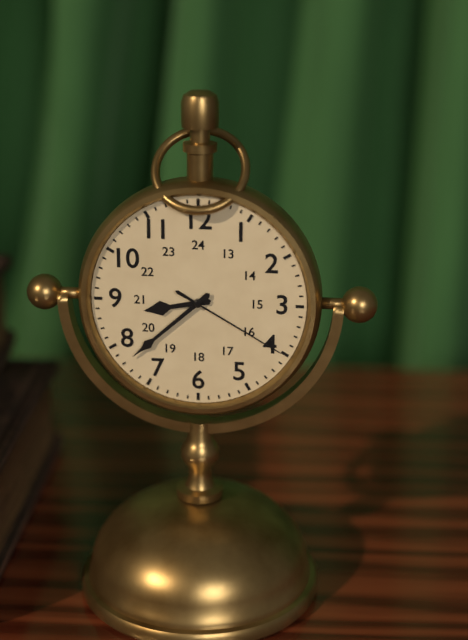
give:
8.38.20
